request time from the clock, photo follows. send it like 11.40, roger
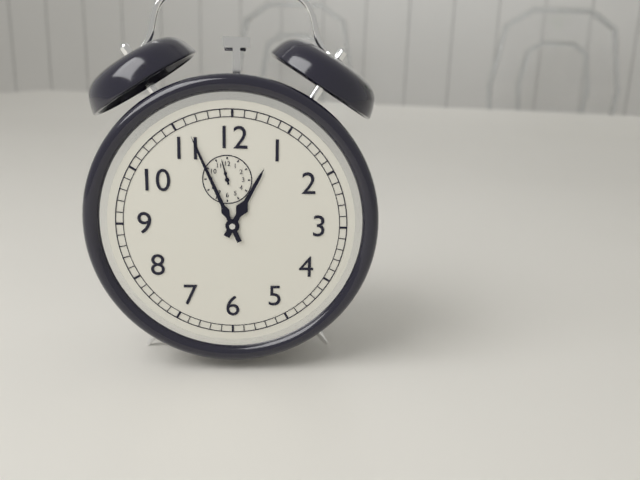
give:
12.56
